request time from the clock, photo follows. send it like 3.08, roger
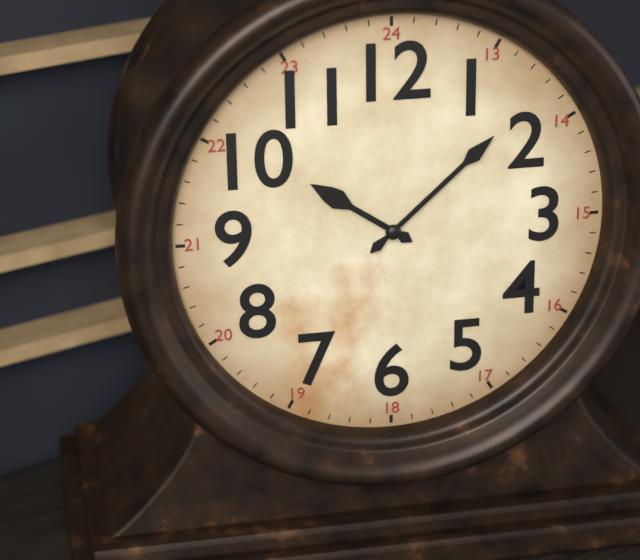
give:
10.08
